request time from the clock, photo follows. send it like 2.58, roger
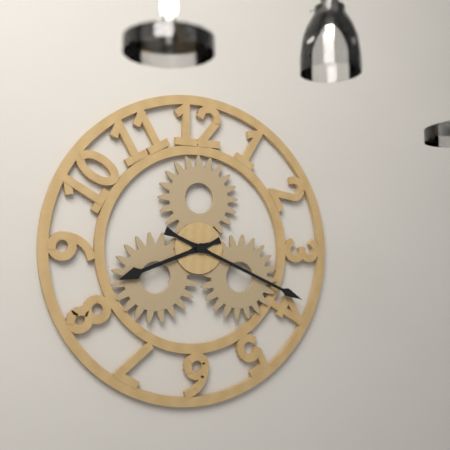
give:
8.19
